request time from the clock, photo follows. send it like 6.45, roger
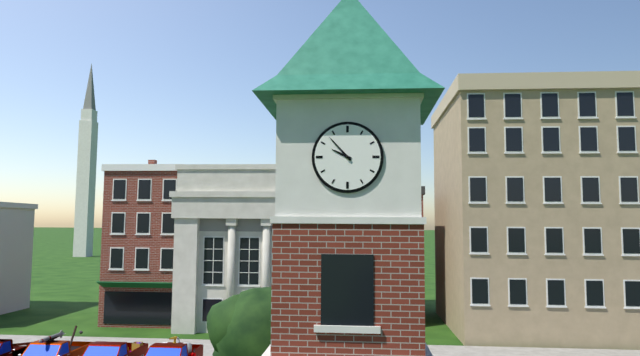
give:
9.53
